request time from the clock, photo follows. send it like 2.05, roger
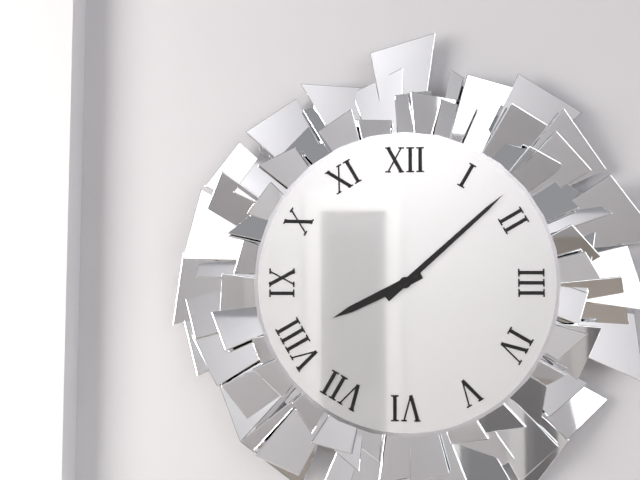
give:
8.08
